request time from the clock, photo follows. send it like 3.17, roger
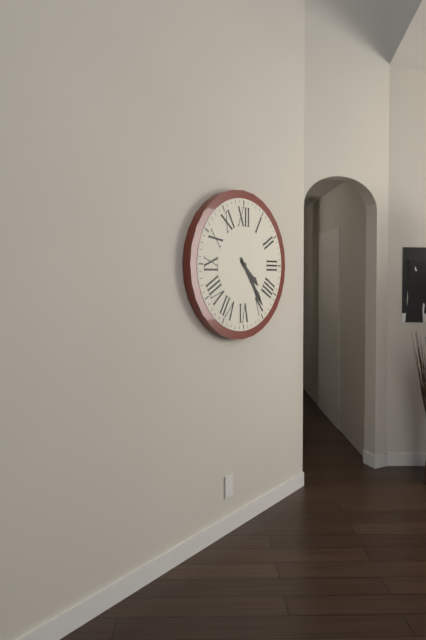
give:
4.24
